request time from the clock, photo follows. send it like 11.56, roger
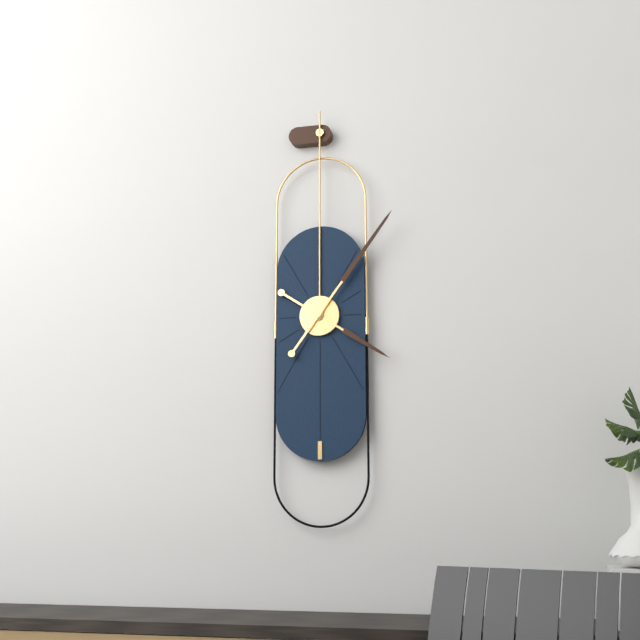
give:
4.06
